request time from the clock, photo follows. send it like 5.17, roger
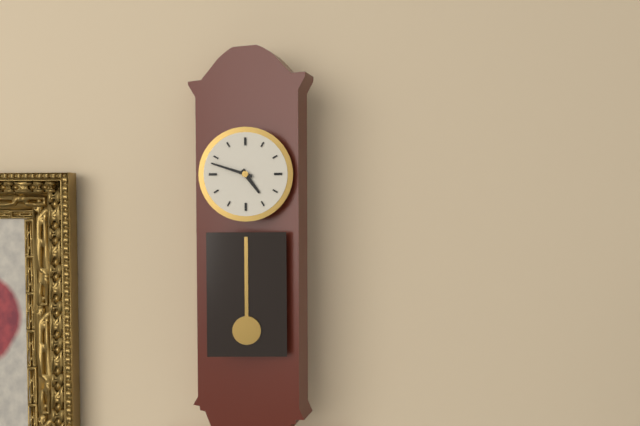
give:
4.48
